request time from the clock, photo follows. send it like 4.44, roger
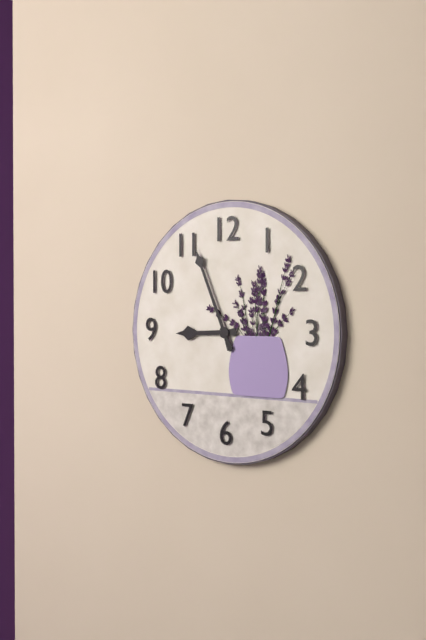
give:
8.56
